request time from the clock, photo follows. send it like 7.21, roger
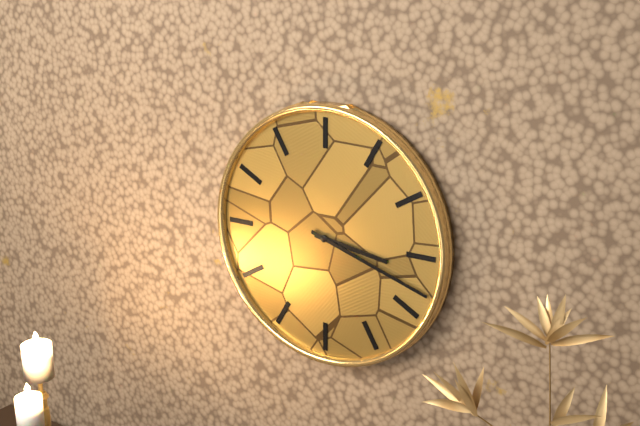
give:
3.18
